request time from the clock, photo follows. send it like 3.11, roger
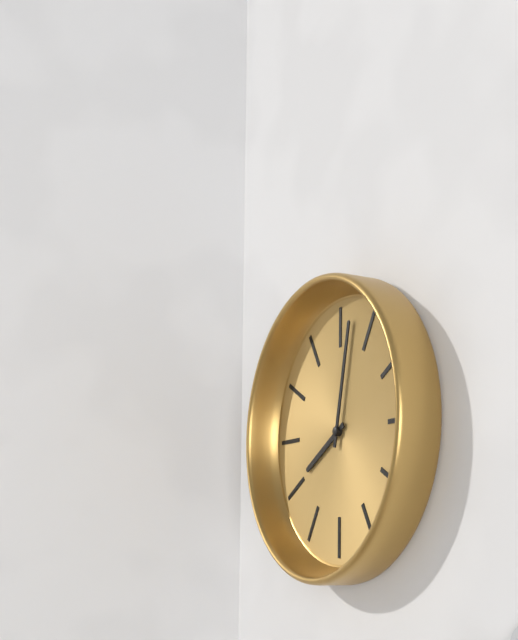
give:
8.02
